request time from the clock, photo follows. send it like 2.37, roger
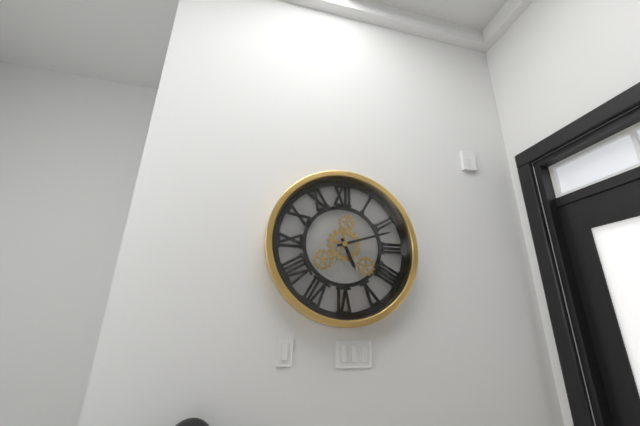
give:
5.12
